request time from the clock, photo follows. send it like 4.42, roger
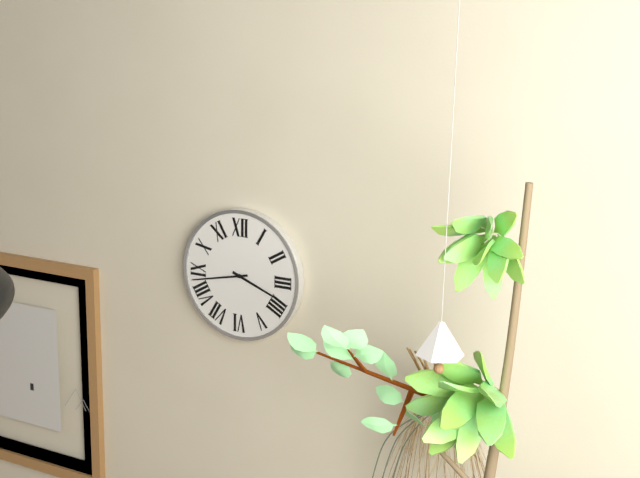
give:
3.43
